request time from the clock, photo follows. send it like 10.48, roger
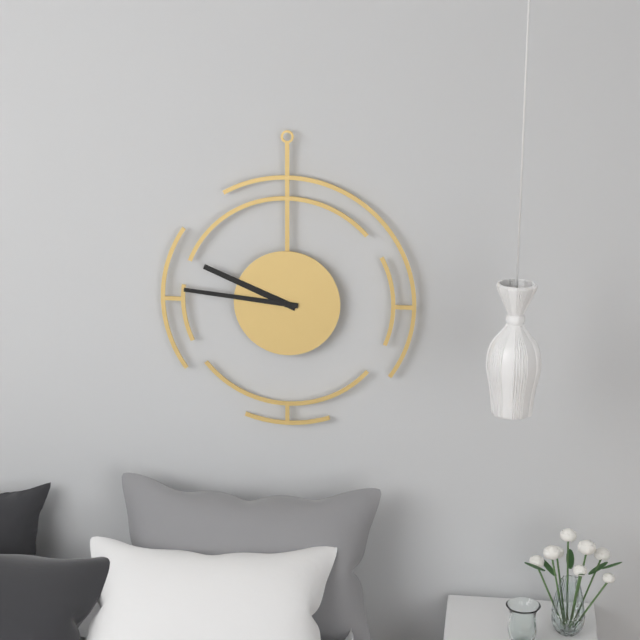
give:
9.46
